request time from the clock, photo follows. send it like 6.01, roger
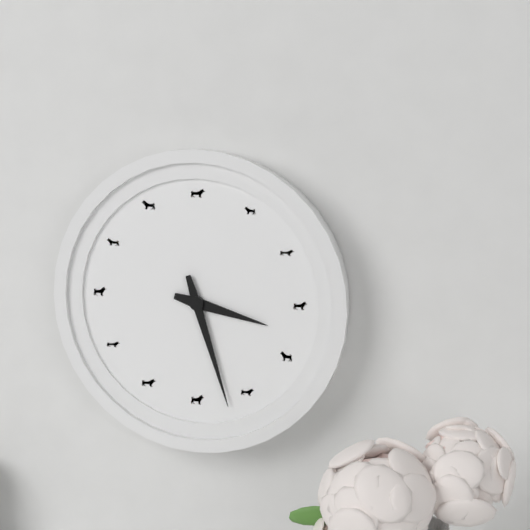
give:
3.27
